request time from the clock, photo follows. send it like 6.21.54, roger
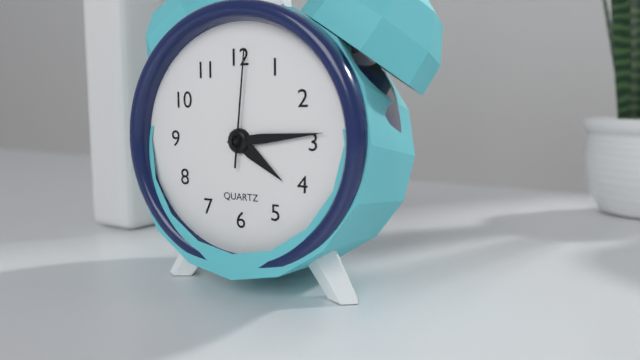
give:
4.14.01
